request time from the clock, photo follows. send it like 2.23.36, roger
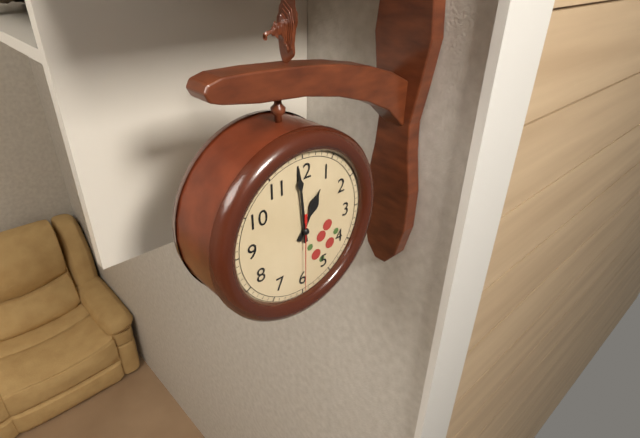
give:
12.59.30
